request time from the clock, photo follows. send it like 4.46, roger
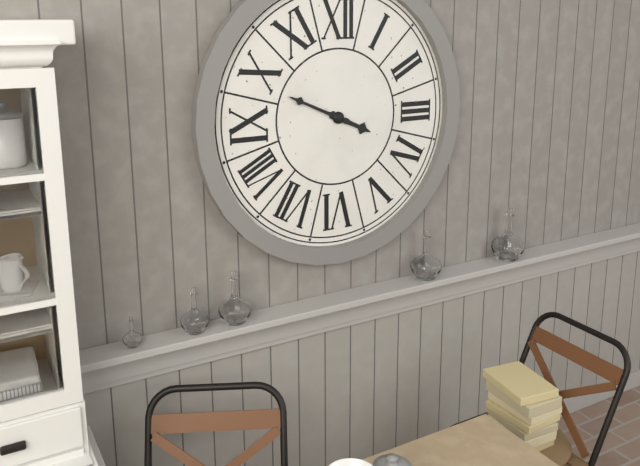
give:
3.49
